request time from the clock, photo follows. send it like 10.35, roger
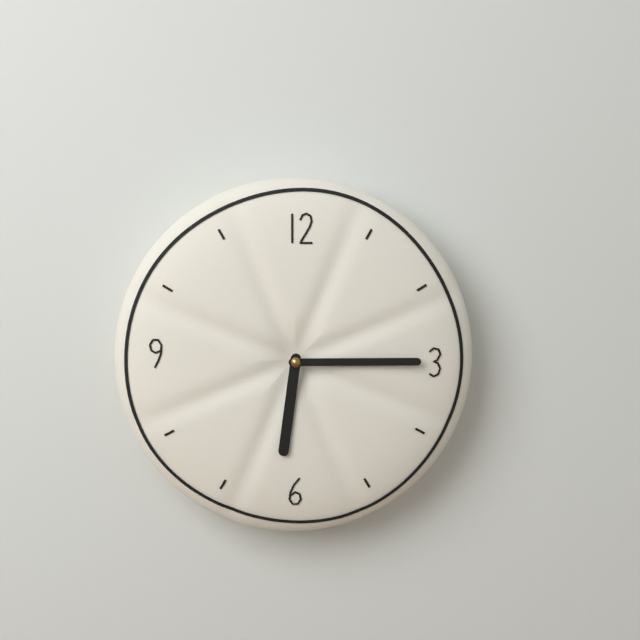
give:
6.15
